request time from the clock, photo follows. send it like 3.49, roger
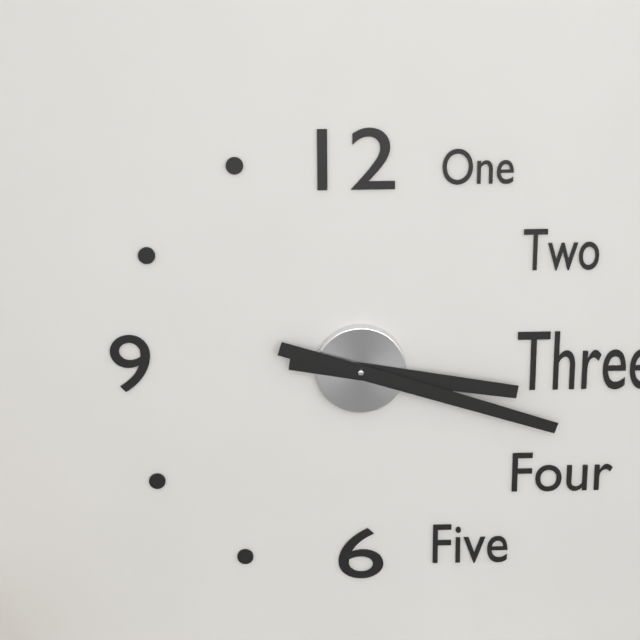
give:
3.18
